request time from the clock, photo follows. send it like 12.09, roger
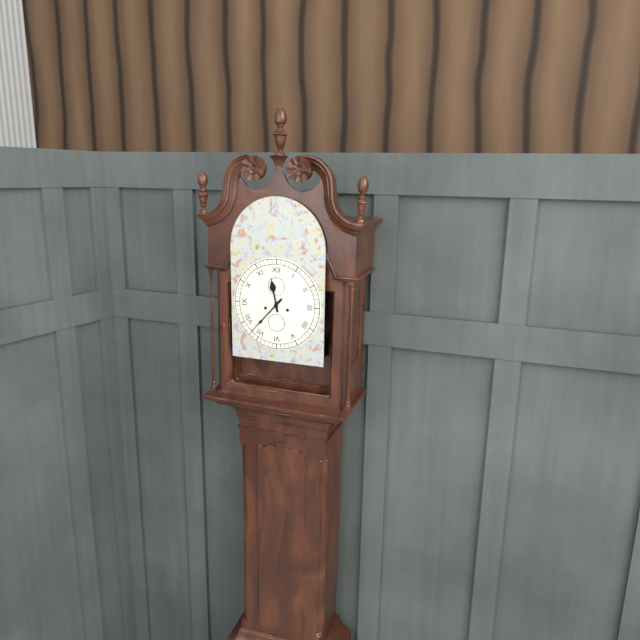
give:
11.37
